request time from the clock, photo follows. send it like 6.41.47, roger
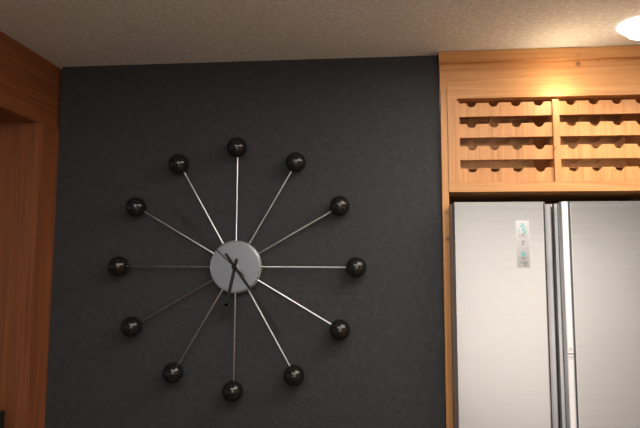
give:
6.24.52
